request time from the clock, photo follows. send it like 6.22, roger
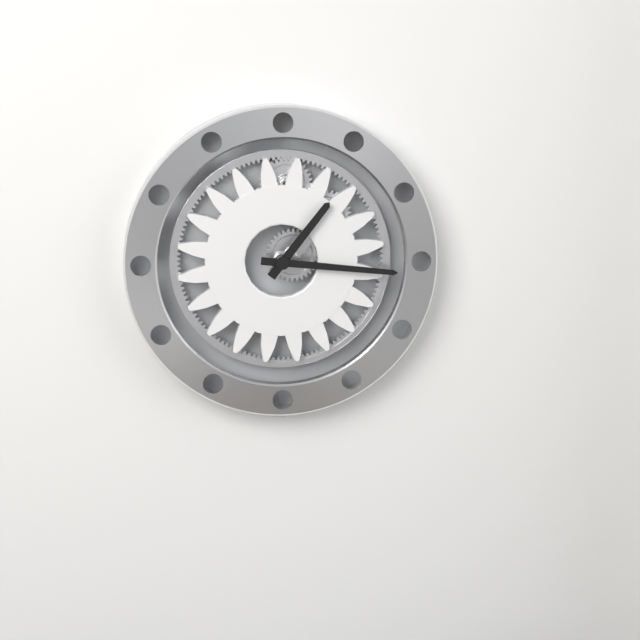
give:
1.16
